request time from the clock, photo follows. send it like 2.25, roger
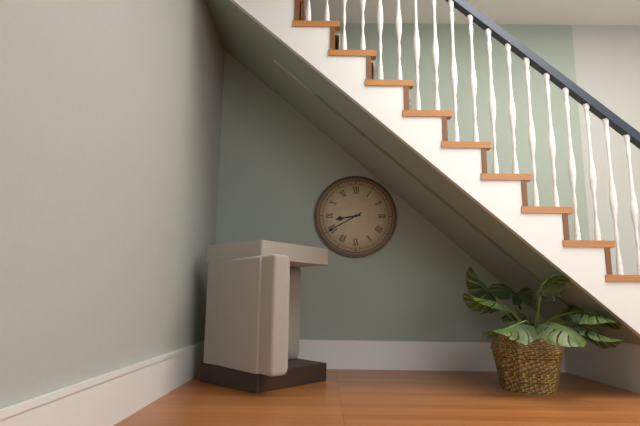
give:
8.40
